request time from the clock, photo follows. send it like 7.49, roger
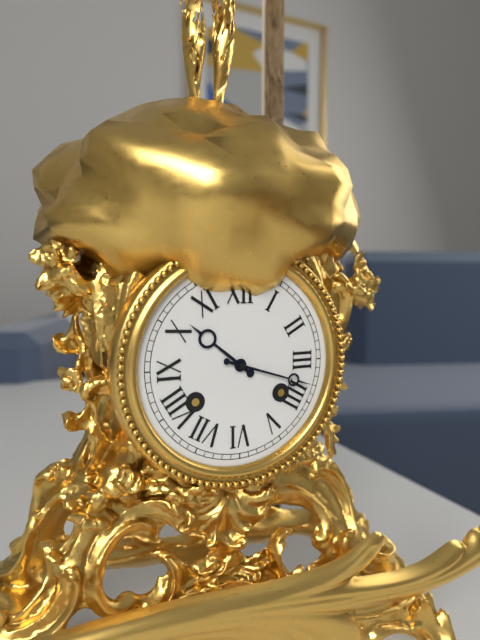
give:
10.18
